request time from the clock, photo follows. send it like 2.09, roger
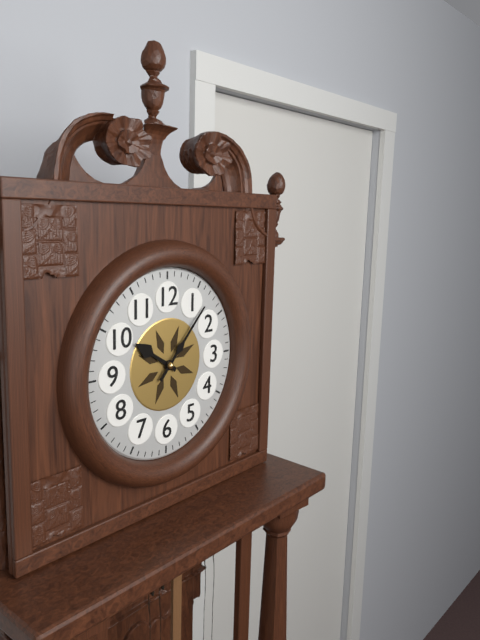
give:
10.07
